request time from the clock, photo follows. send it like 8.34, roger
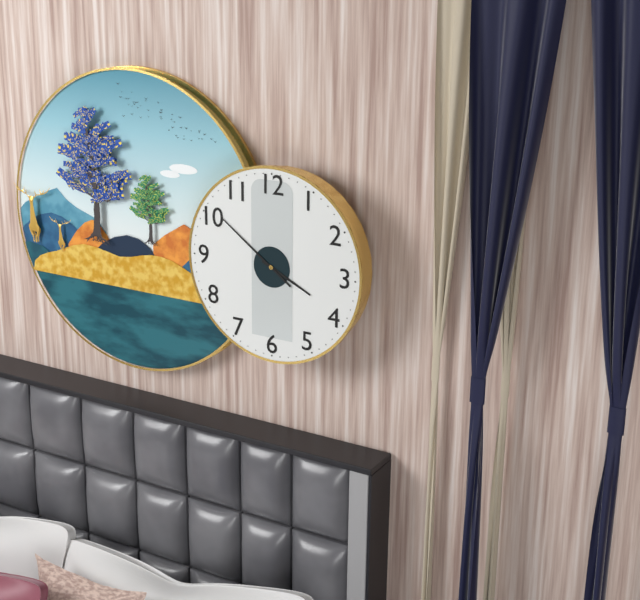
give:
3.51
